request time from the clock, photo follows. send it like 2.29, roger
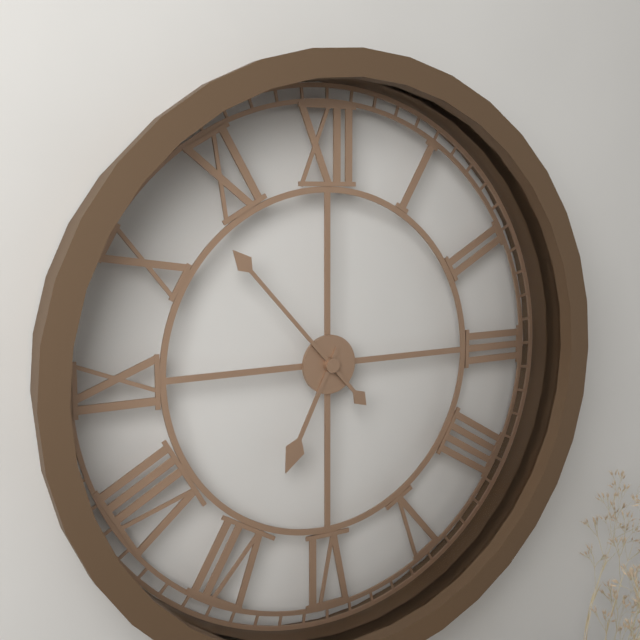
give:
6.53
